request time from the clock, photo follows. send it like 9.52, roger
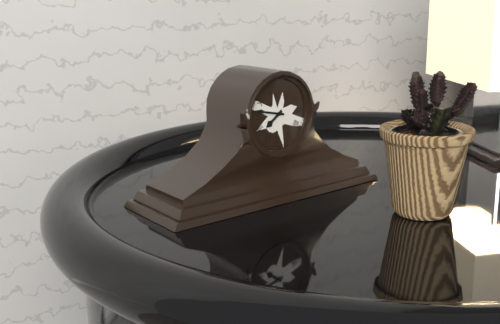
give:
7.47
